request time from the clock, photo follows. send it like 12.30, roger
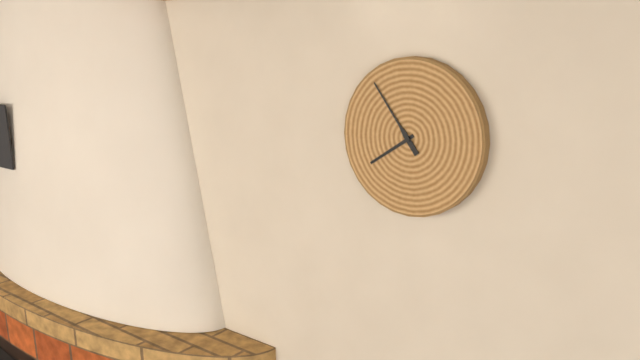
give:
7.54
